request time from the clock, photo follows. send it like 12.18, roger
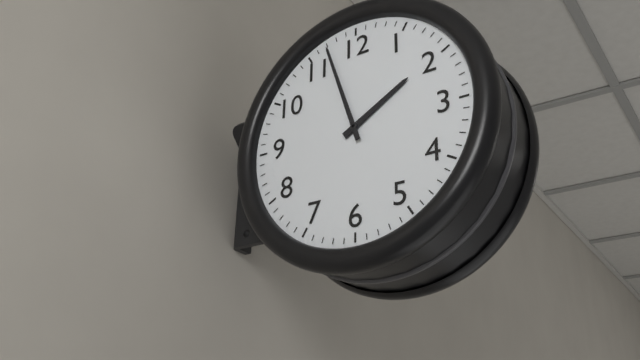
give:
1.57
